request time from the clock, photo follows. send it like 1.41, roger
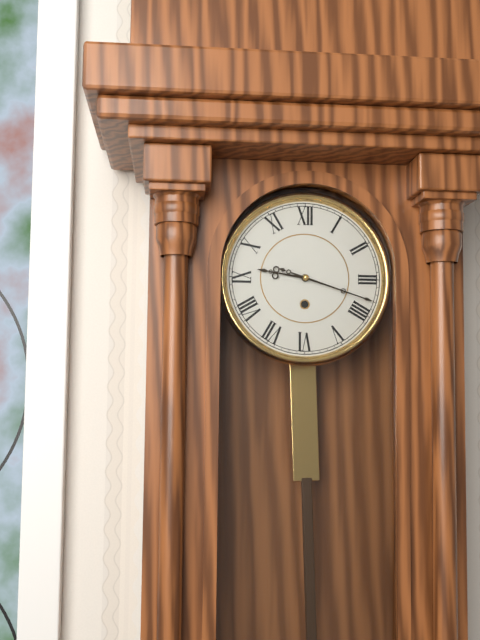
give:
9.18
